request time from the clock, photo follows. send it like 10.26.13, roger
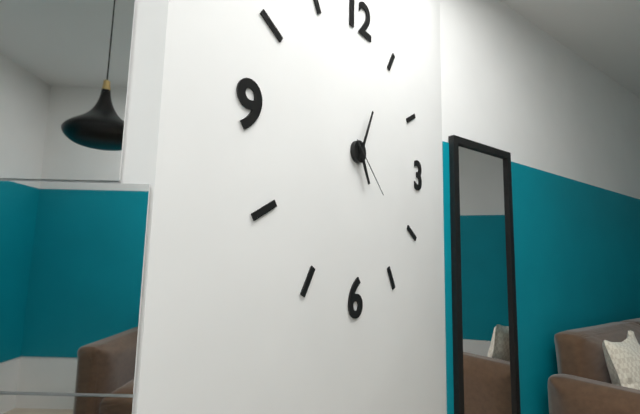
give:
5.04.22
